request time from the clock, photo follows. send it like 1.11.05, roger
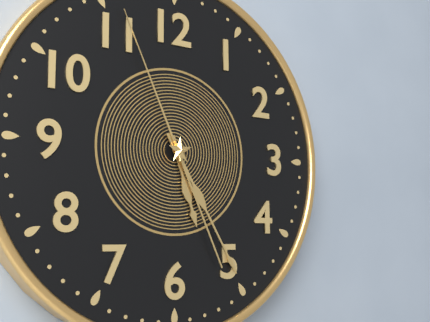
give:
5.25.56
